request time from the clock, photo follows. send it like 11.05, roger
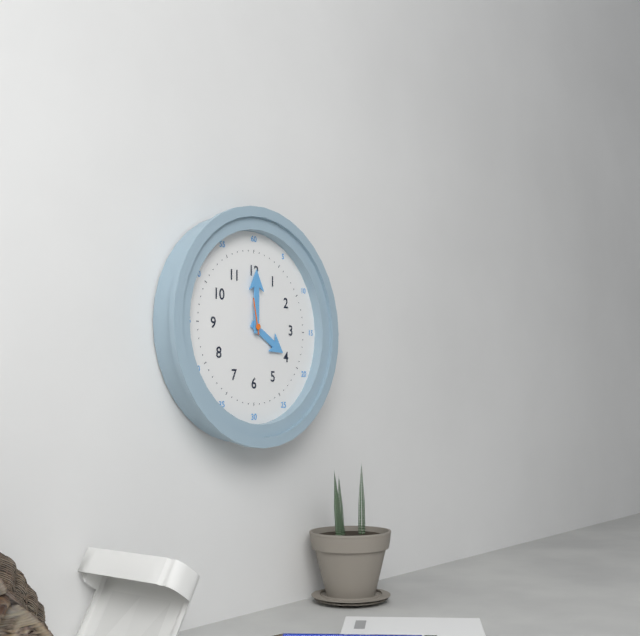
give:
4.00
